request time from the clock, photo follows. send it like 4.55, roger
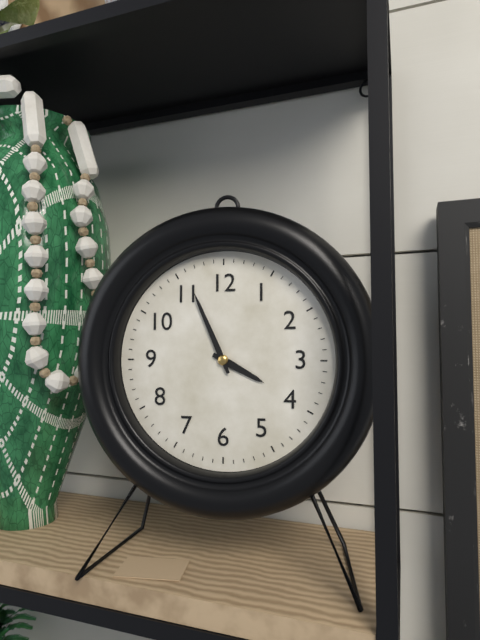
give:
3.56
